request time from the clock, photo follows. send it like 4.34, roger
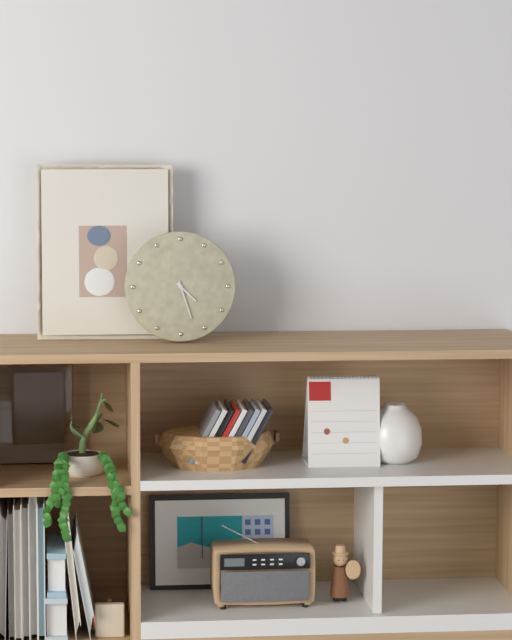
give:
4.27
